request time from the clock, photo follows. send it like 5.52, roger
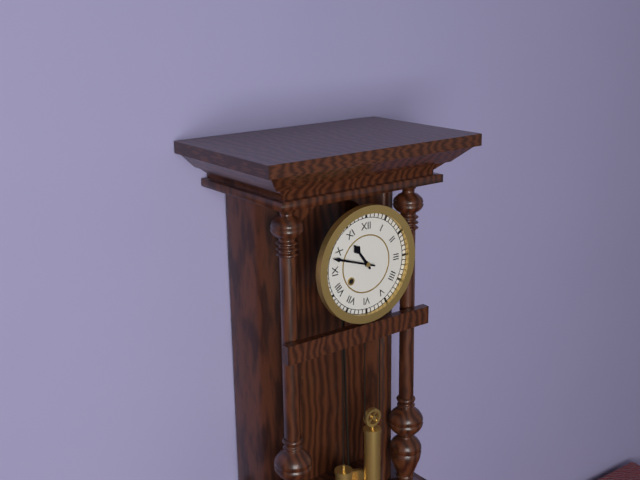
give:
10.48
